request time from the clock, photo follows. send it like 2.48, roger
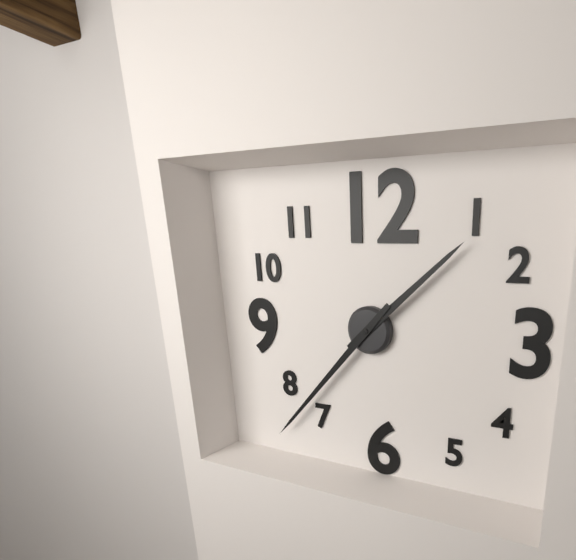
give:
1.37
